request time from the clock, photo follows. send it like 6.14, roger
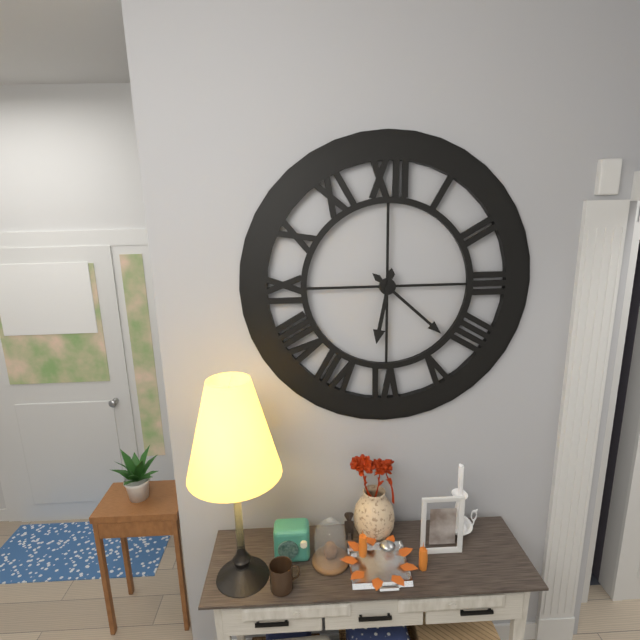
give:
6.22
